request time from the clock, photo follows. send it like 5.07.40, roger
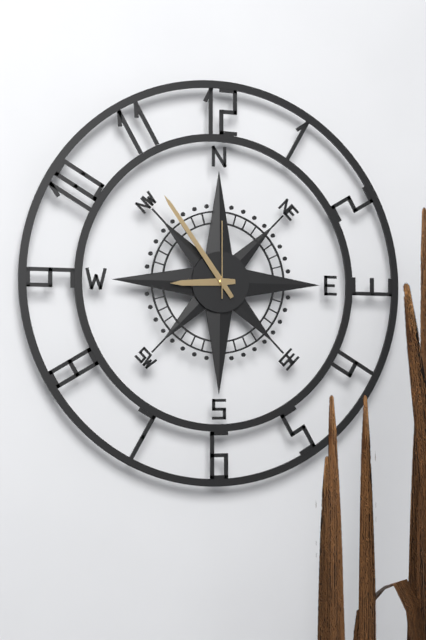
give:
8.54.00
